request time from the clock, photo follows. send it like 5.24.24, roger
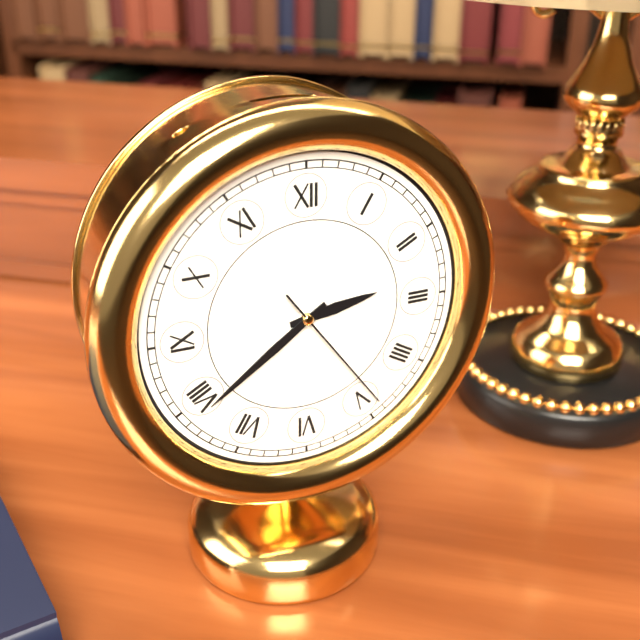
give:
2.39.24
